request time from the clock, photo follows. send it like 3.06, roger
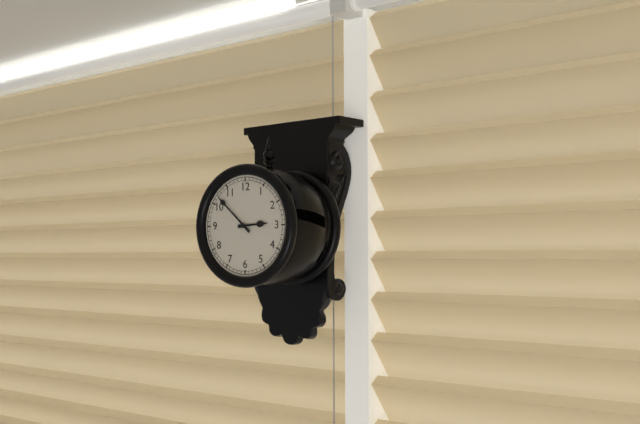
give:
2.52
